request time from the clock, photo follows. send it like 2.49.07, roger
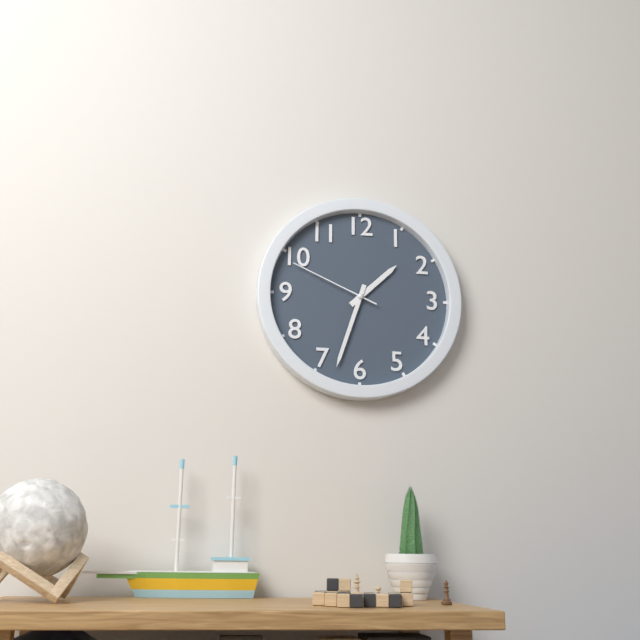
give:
1.33.49
